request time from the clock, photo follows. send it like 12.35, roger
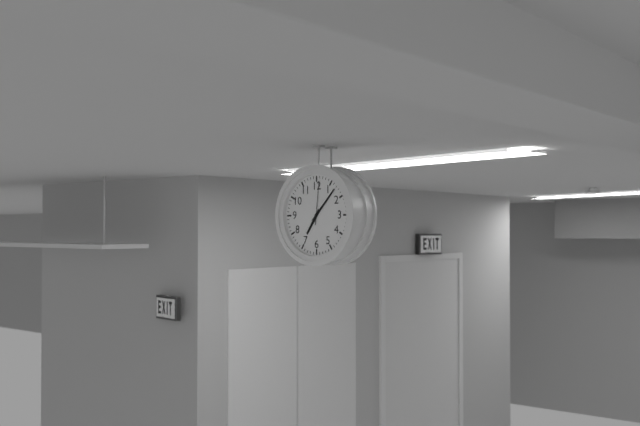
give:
7.07
